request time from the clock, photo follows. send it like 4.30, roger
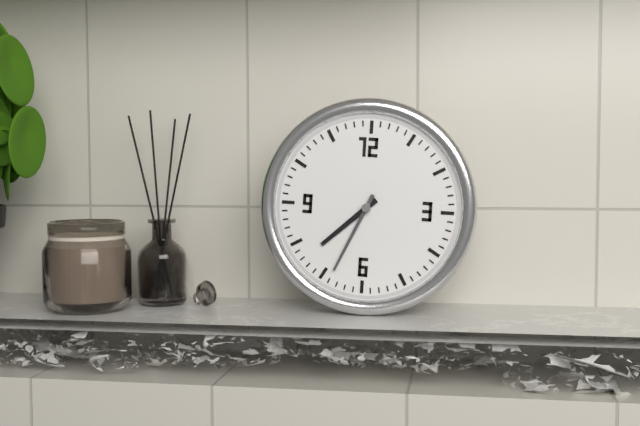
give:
7.34
